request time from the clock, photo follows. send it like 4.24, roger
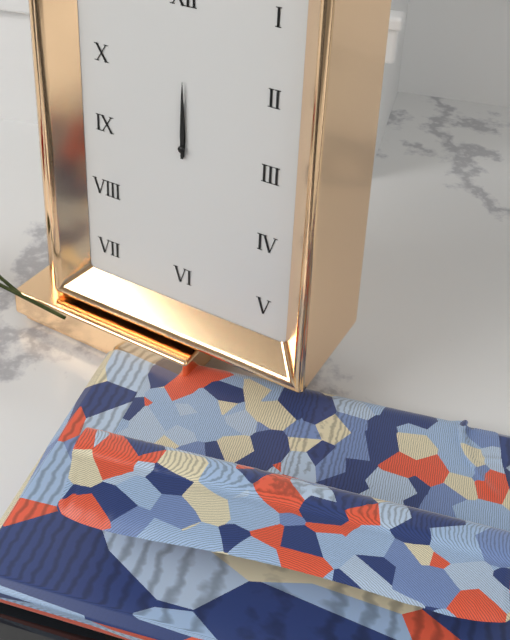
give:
12.00
